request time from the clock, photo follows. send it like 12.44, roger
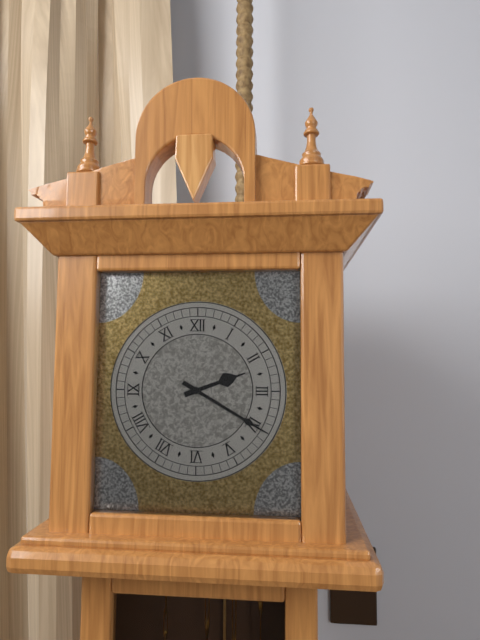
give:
2.20
